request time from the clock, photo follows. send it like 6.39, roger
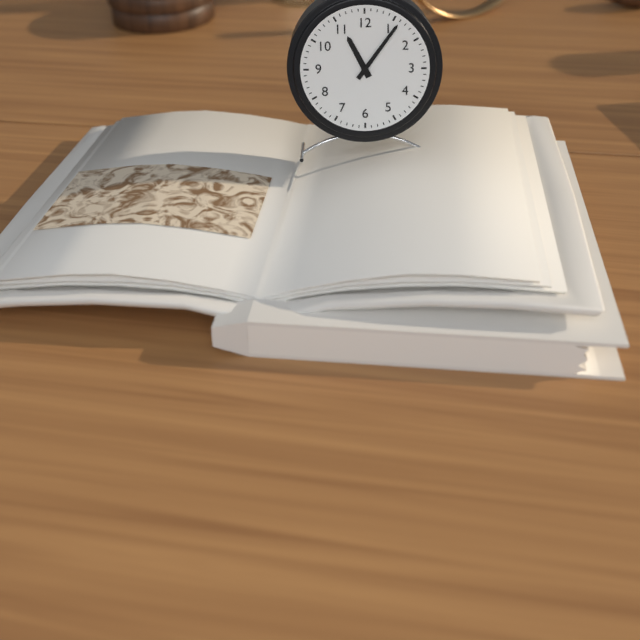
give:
11.06
